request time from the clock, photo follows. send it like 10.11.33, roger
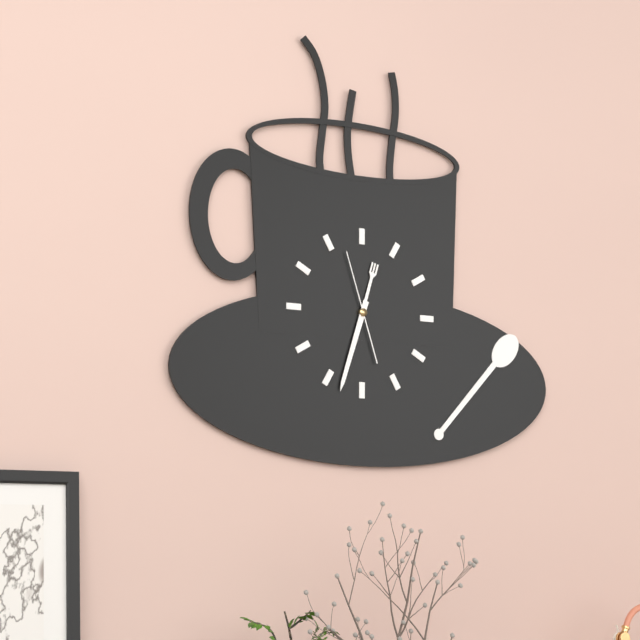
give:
12.33.57
